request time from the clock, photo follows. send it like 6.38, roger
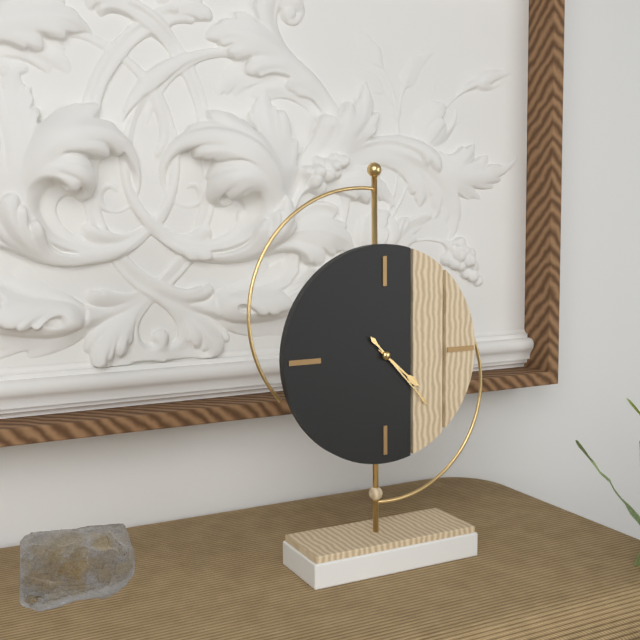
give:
4.23
